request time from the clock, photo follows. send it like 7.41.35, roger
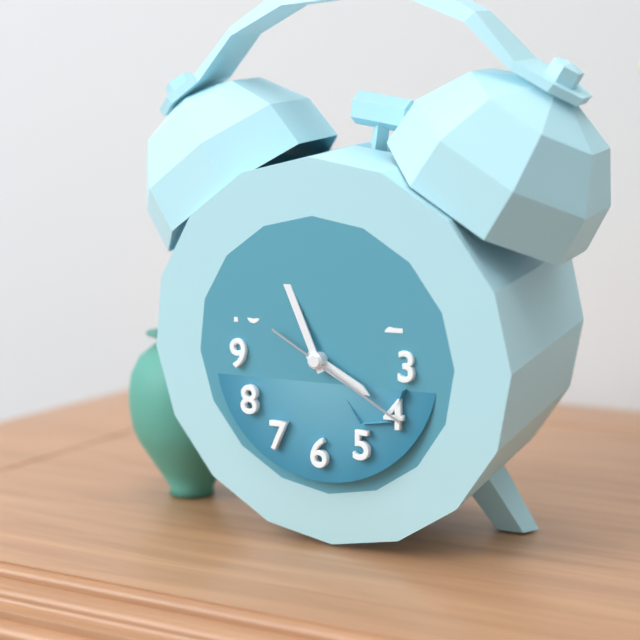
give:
3.56.20
